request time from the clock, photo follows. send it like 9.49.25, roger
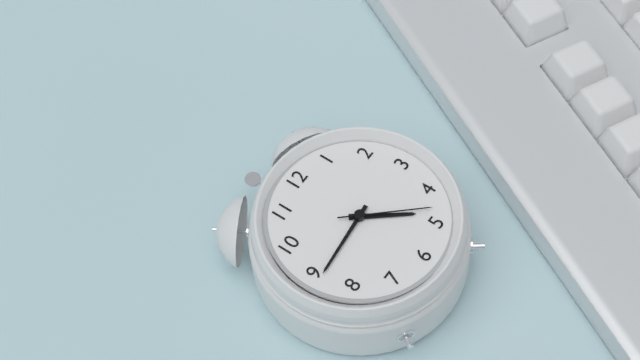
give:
4.44.23
